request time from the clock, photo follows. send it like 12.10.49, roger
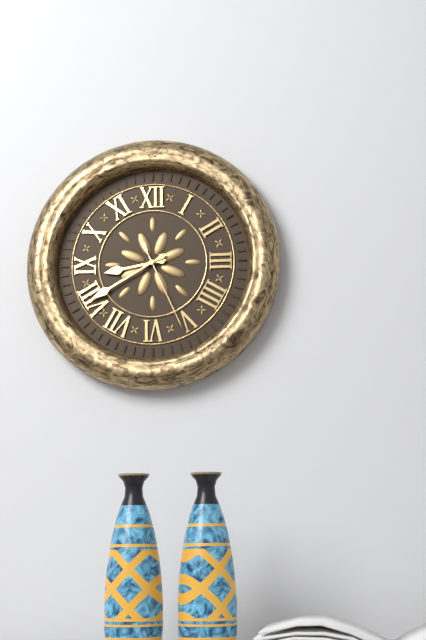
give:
8.40.26
